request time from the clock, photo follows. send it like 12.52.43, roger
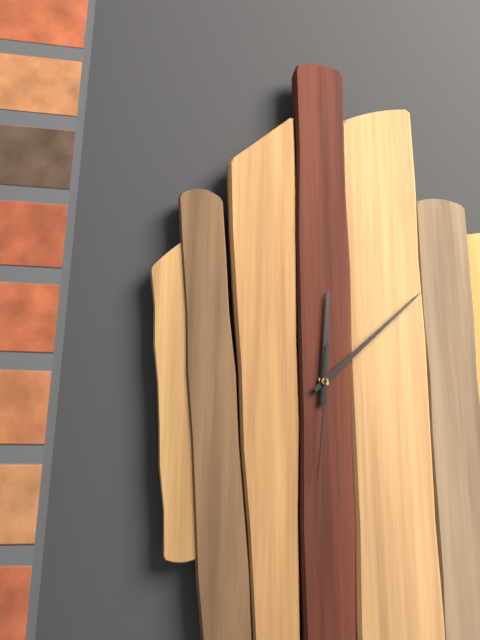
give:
12.08.31
